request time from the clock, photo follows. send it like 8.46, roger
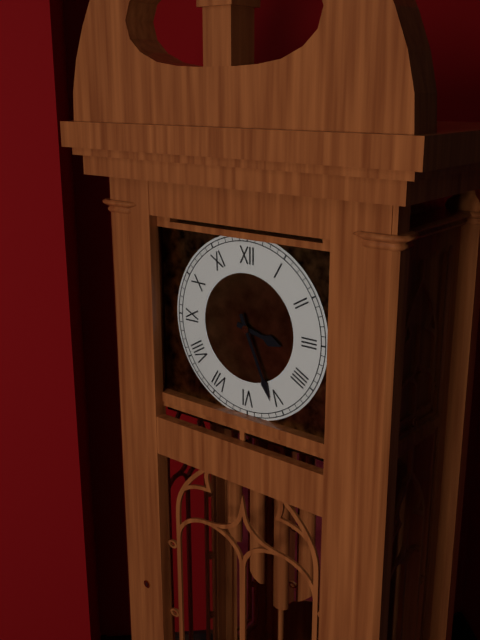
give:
3.26
